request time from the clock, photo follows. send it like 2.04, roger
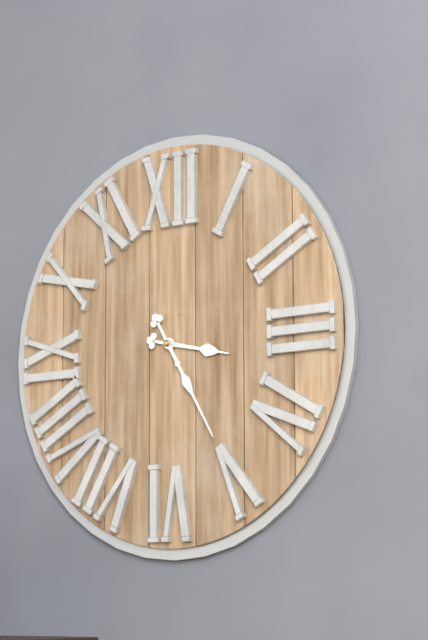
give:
3.25
